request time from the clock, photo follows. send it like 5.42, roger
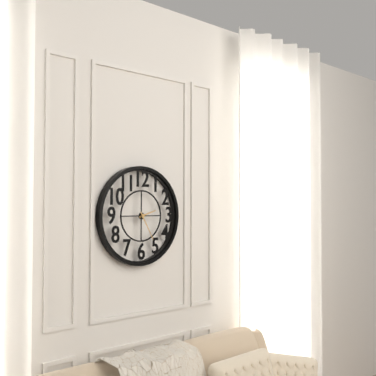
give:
2.25
